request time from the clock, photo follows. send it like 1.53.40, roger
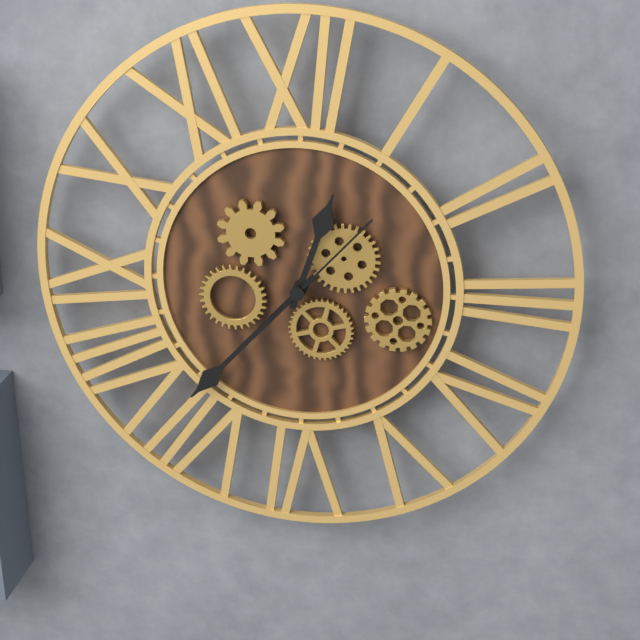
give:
12.37.07
